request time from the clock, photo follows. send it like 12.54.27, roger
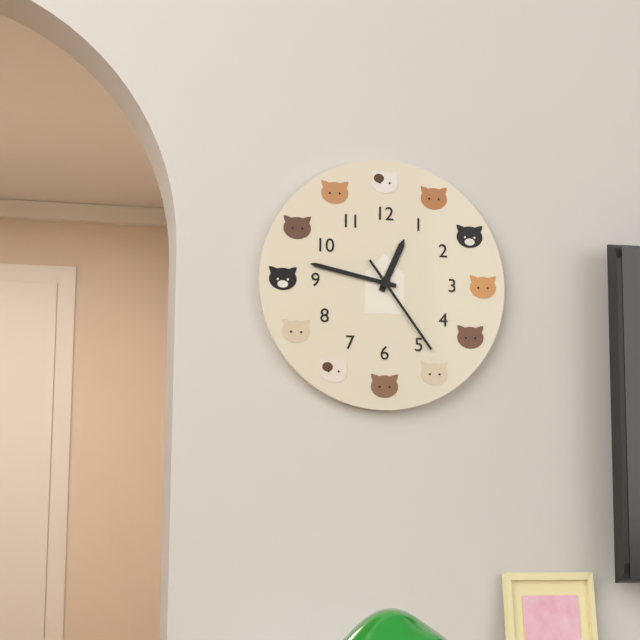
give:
12.47.24
